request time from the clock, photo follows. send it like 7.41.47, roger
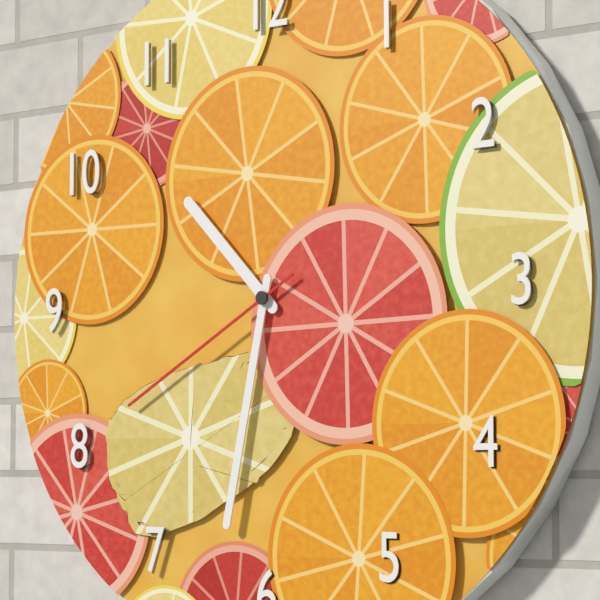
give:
10.32.40
